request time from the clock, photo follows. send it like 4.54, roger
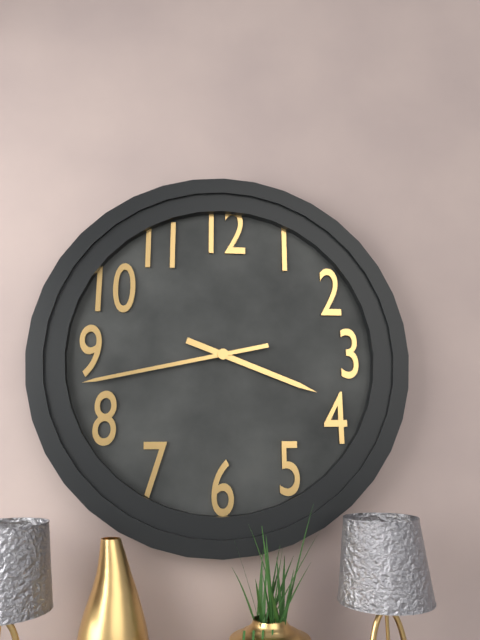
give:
3.43
